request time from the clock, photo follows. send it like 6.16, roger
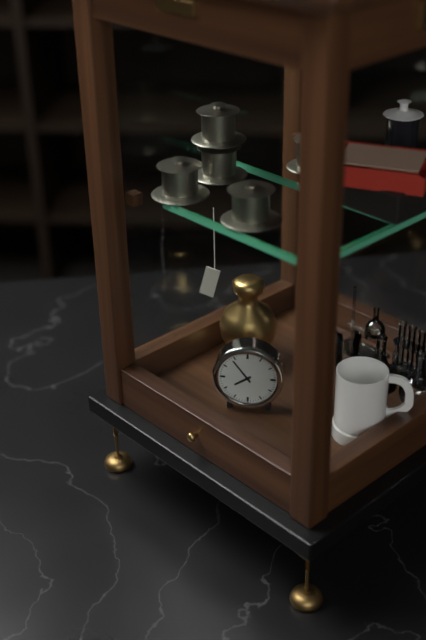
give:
7.54
